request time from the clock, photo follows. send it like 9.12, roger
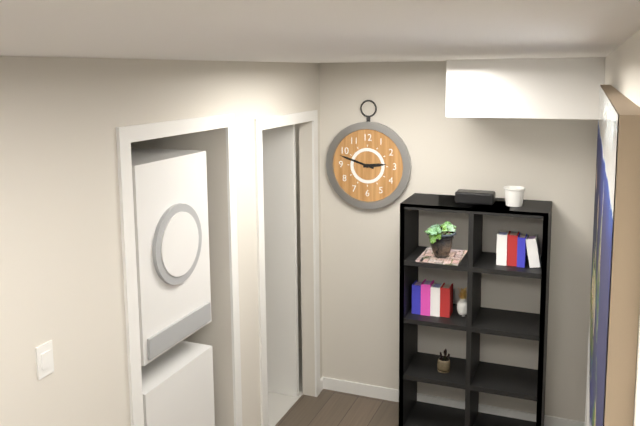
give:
2.48
